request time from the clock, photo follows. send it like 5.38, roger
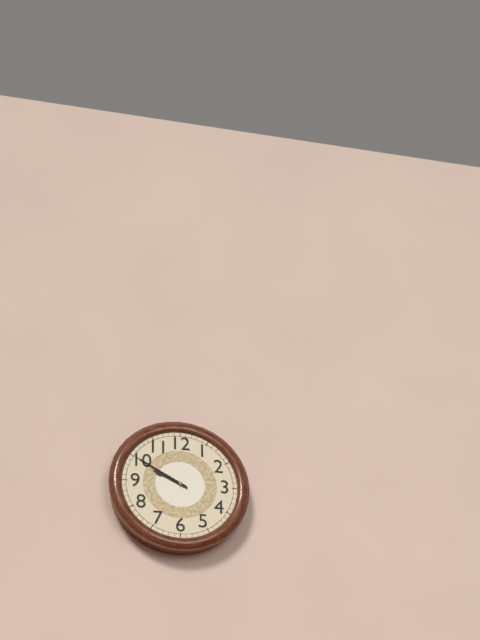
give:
9.50
